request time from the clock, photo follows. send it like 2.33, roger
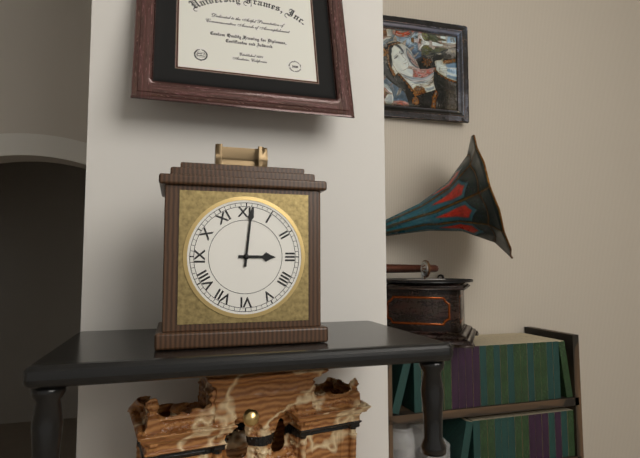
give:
3.01
